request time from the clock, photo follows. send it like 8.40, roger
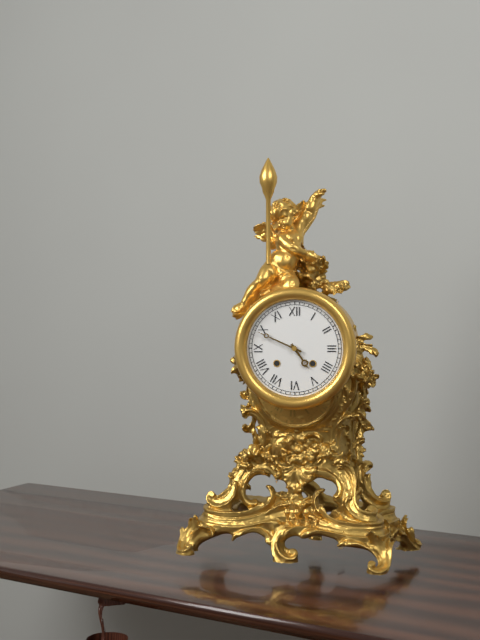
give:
4.49
